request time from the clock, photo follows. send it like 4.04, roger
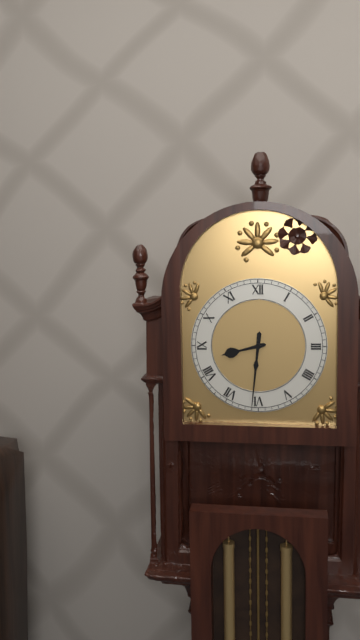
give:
8.31
